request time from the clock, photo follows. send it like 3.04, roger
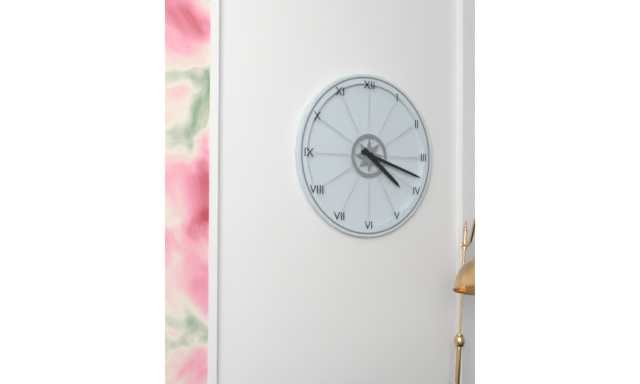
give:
4.18
